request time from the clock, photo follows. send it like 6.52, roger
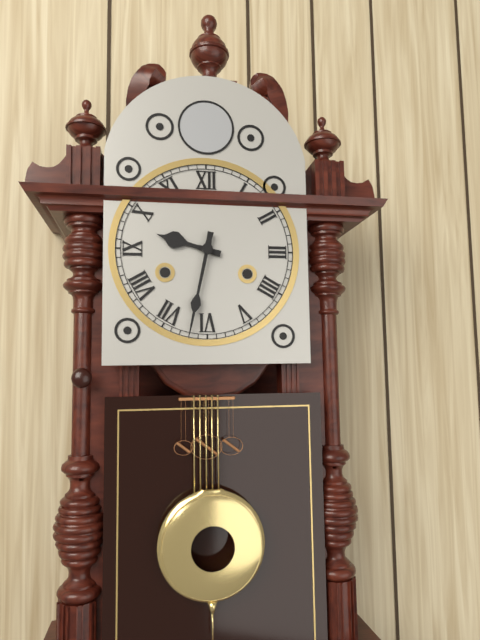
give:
9.32
